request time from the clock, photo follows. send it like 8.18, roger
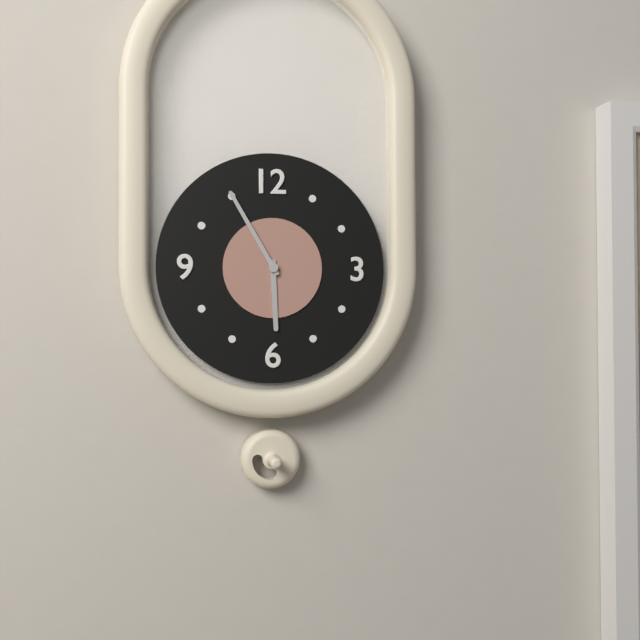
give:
5.55
